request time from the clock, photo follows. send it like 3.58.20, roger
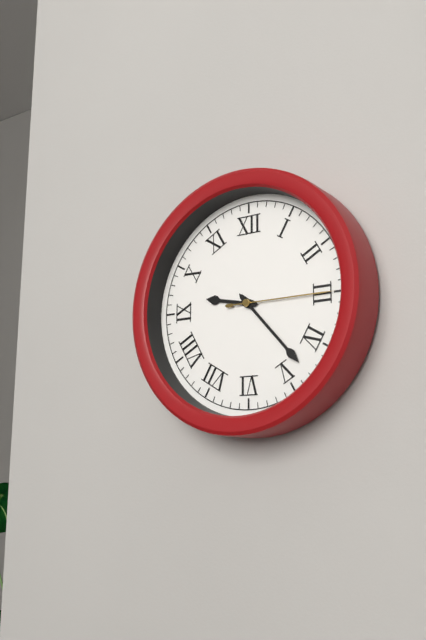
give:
9.23.15
